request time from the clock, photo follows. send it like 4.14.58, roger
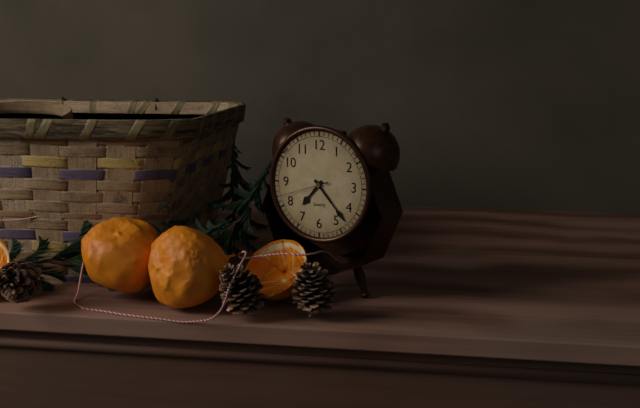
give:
7.23.42
